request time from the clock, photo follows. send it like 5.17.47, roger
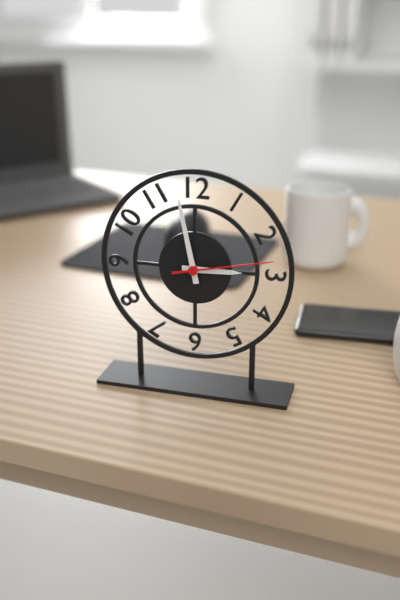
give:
2.58.13
